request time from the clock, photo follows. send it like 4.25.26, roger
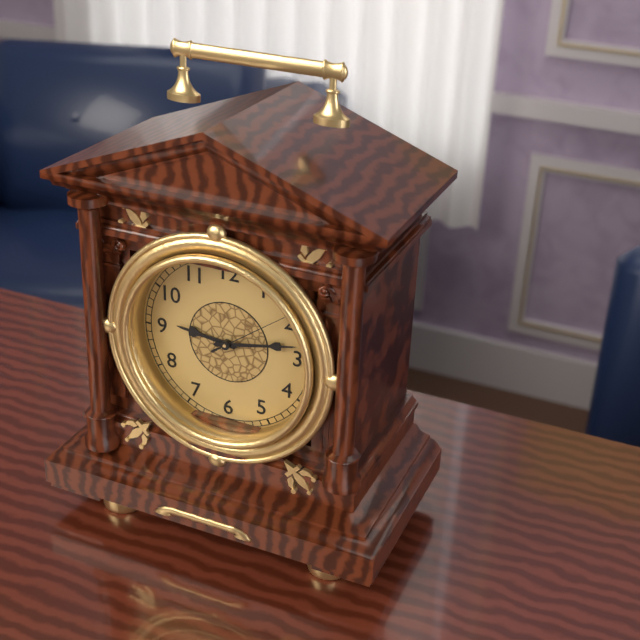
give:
9.13.09
